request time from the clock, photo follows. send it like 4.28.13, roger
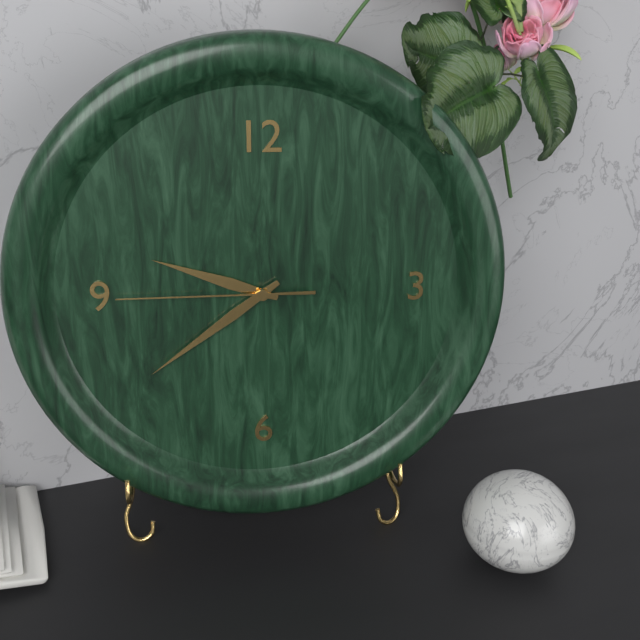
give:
9.39.45
